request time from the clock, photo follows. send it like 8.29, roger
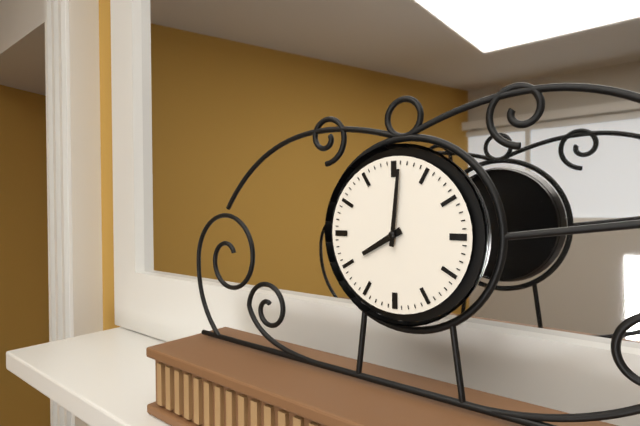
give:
8.01
